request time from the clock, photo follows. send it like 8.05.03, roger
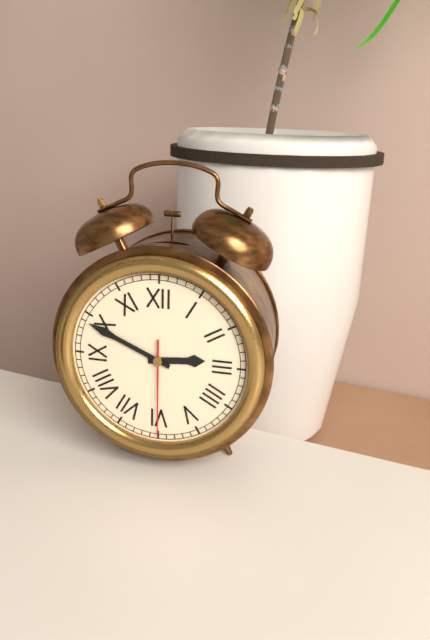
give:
2.49.30
